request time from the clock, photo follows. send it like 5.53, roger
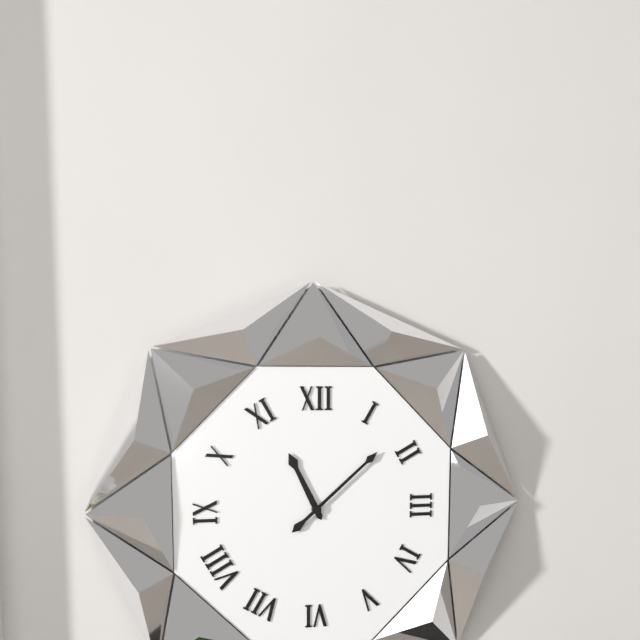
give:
11.08
